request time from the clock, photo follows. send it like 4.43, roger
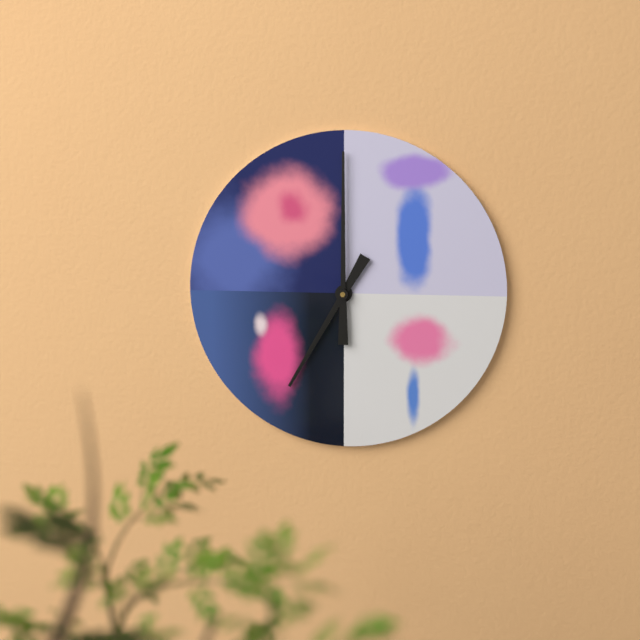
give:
7.00
